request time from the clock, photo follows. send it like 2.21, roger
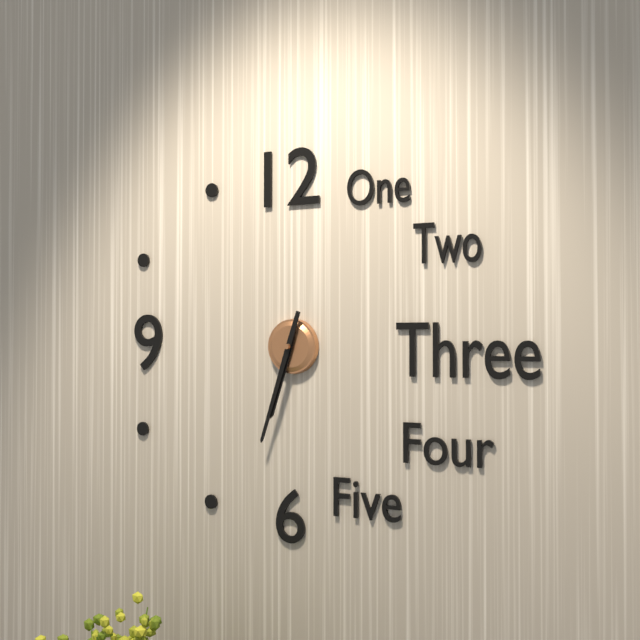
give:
6.33
